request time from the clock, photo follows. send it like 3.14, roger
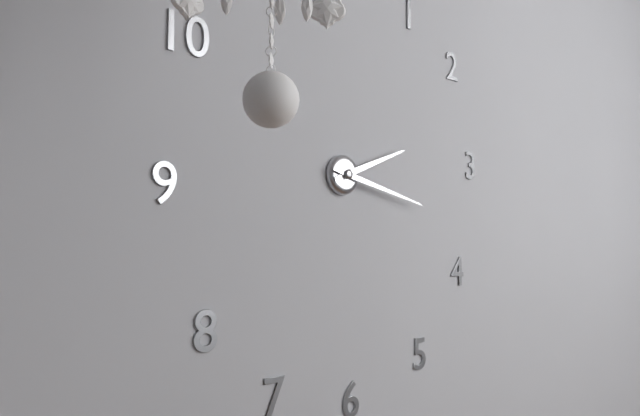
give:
2.17
